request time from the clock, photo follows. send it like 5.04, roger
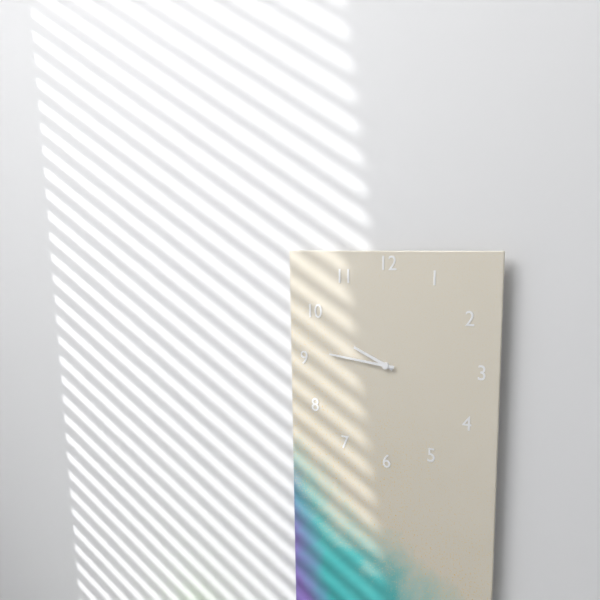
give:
9.46
